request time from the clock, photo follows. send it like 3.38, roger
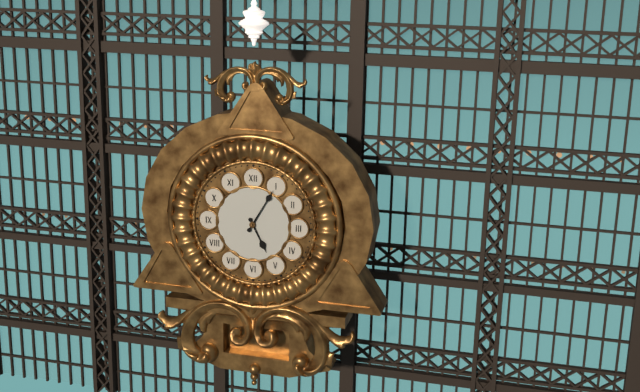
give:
5.05
